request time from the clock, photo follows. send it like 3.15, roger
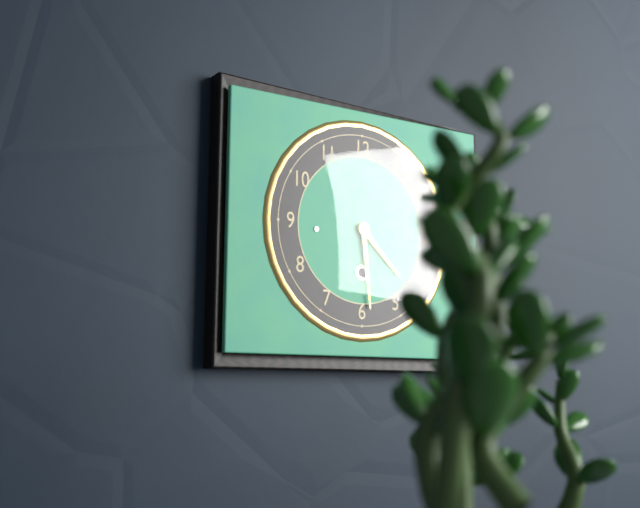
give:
4.29
